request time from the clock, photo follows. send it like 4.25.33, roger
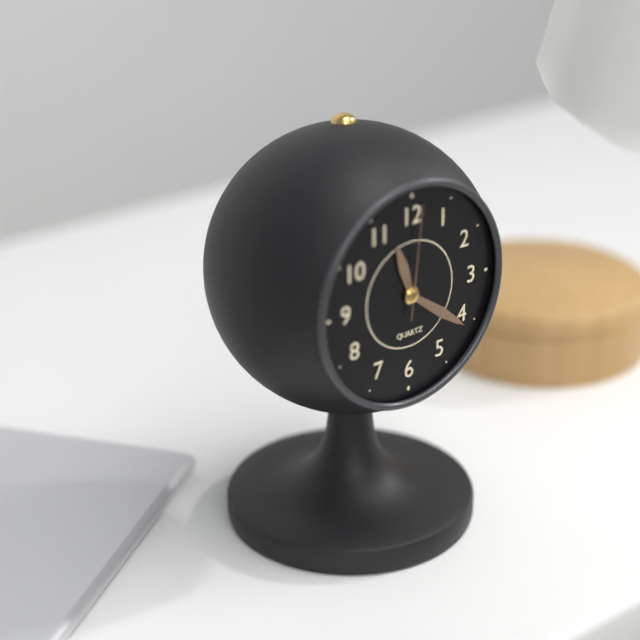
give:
11.21.01
